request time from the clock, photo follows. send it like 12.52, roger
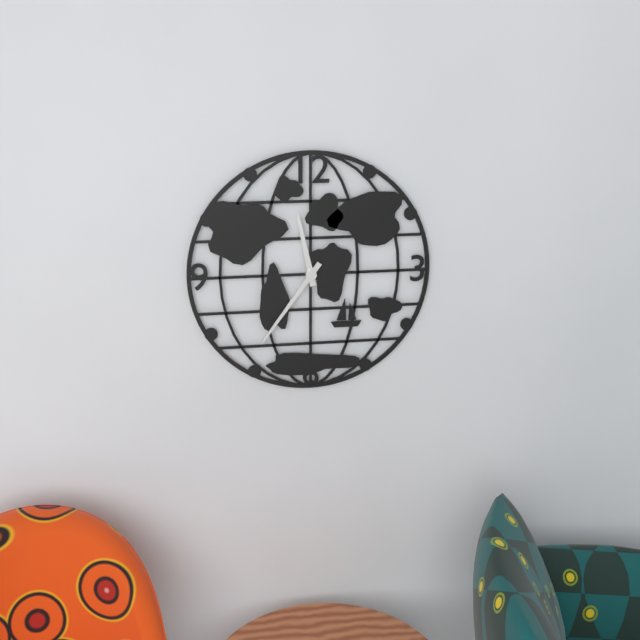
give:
11.36
